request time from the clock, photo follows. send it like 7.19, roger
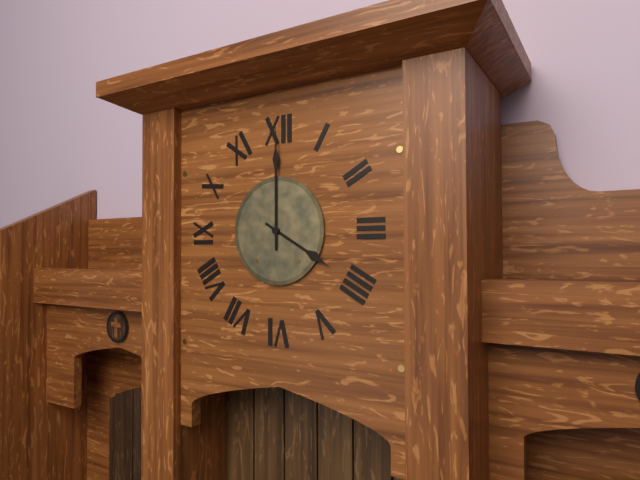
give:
4.00
